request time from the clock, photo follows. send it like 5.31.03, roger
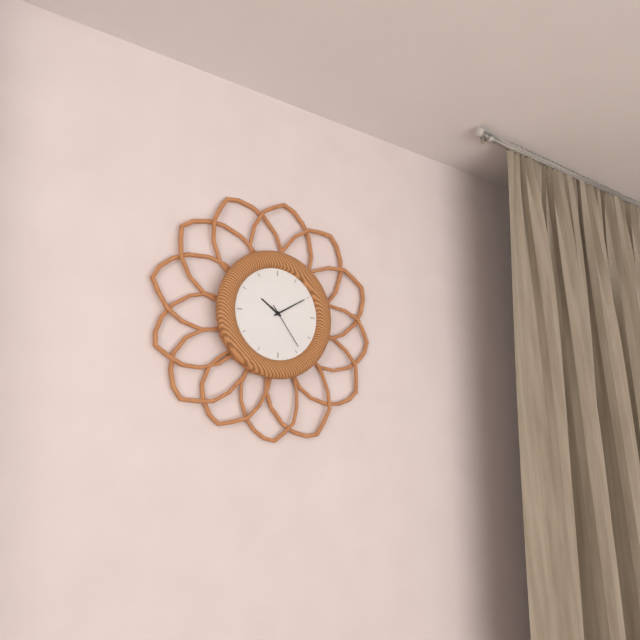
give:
10.10.24
